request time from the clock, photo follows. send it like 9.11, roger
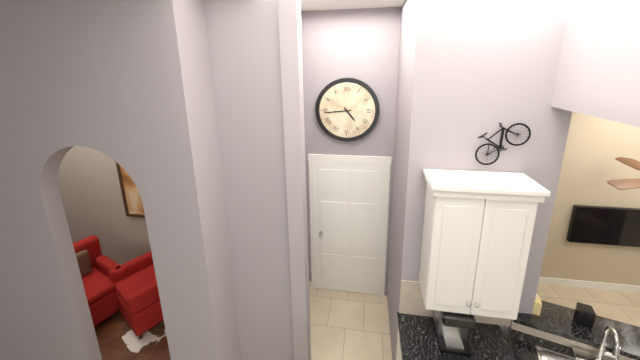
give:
4.44
